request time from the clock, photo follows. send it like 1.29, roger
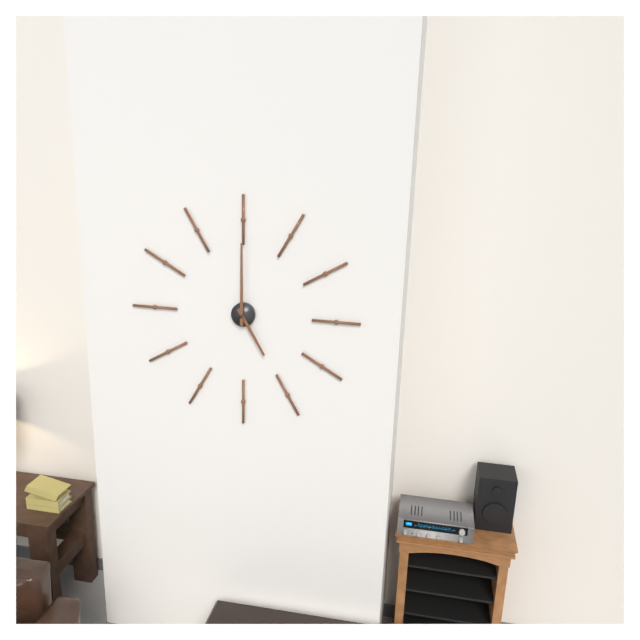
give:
5.00
